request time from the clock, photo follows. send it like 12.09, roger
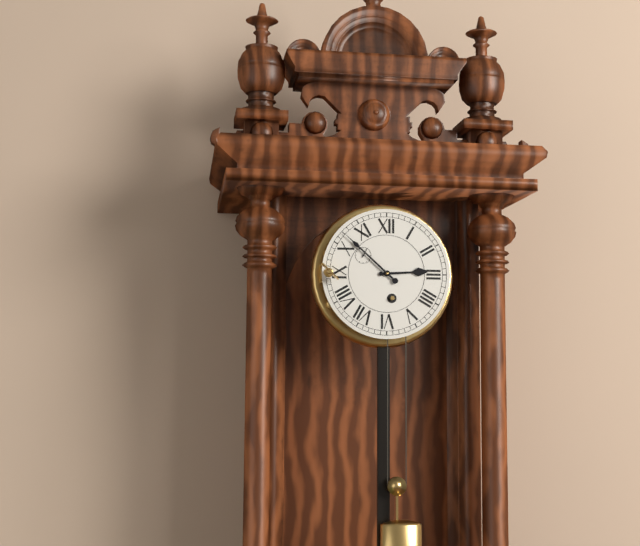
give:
2.52
